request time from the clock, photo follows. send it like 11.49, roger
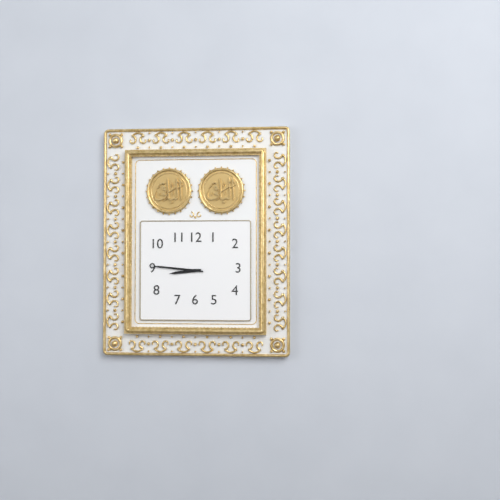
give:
8.46
